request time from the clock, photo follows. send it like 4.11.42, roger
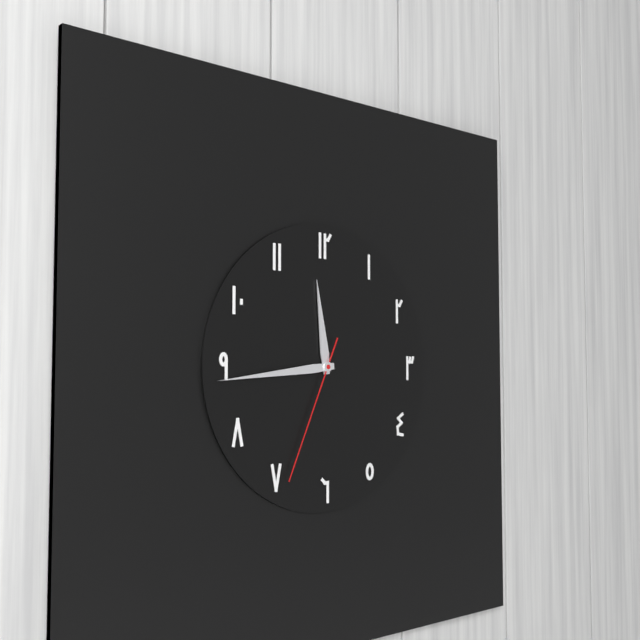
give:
11.44.34
